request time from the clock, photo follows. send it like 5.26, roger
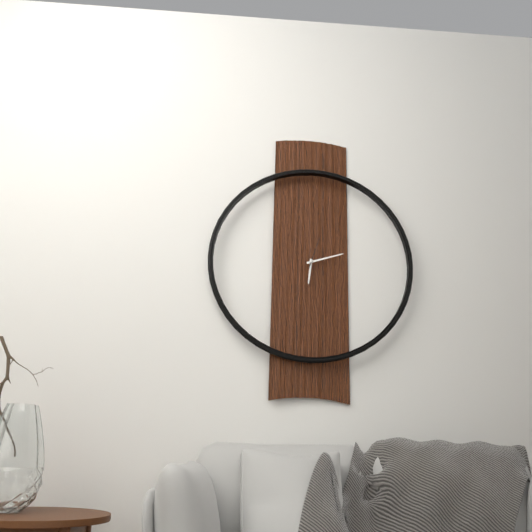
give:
6.12
